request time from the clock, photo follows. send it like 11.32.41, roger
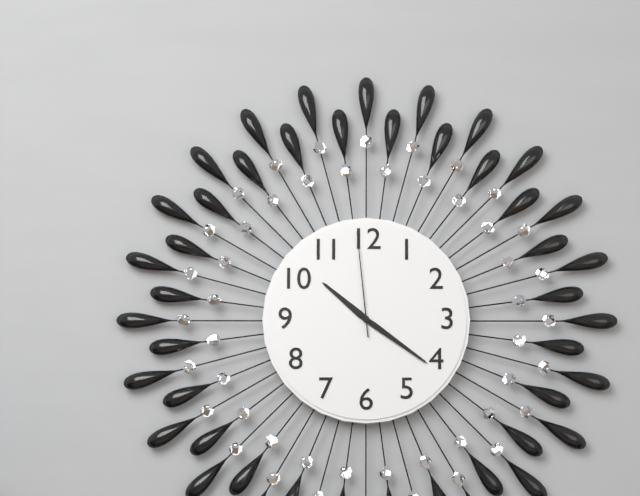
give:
10.21.59
